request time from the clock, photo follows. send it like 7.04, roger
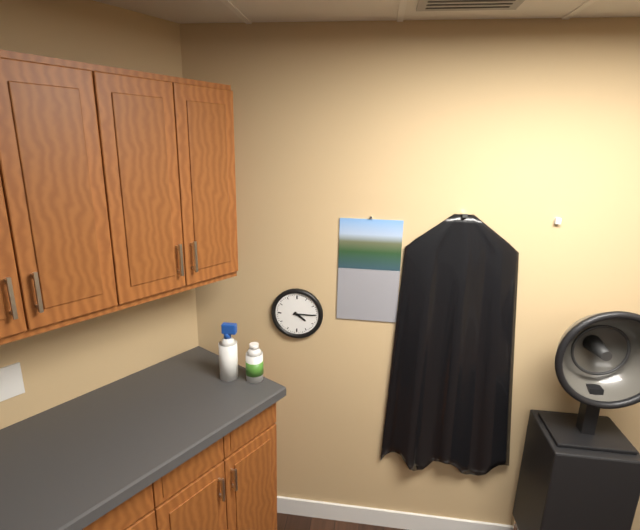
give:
4.15
